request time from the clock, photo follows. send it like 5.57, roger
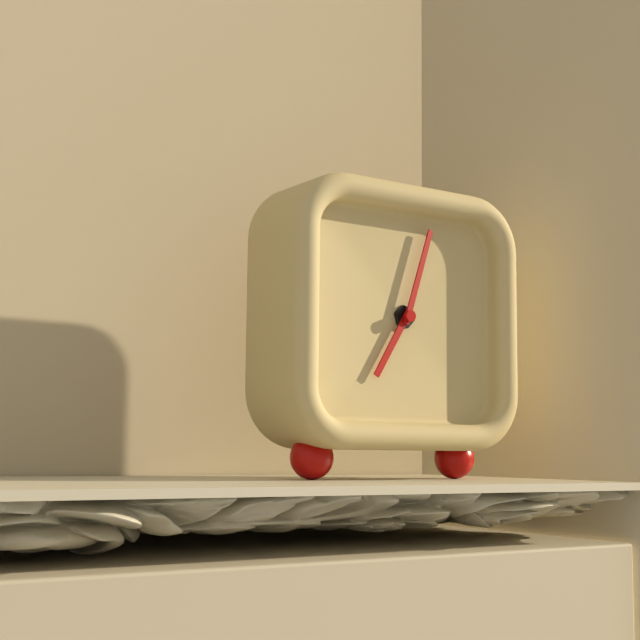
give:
7.03
